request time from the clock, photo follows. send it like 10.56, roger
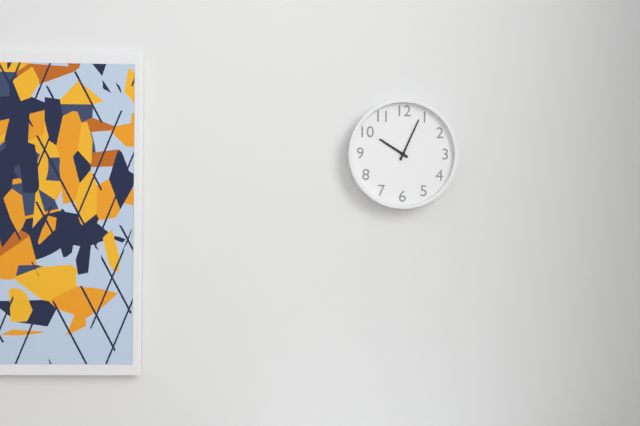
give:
10.04
